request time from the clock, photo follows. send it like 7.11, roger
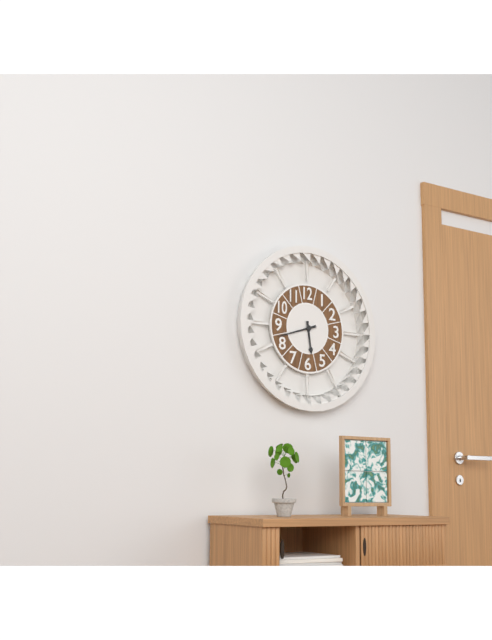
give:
5.42
